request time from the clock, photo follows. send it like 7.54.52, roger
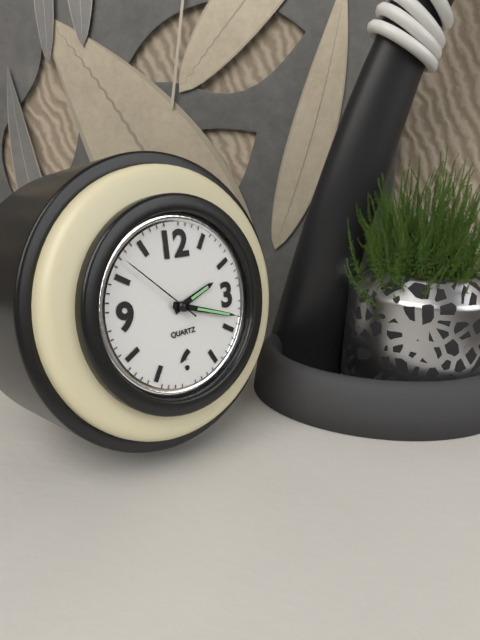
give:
2.18.52
